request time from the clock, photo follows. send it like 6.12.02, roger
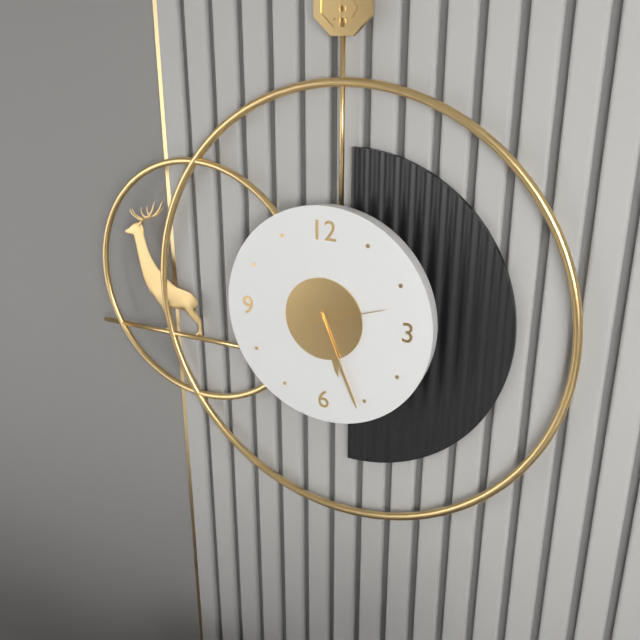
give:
5.26.12
